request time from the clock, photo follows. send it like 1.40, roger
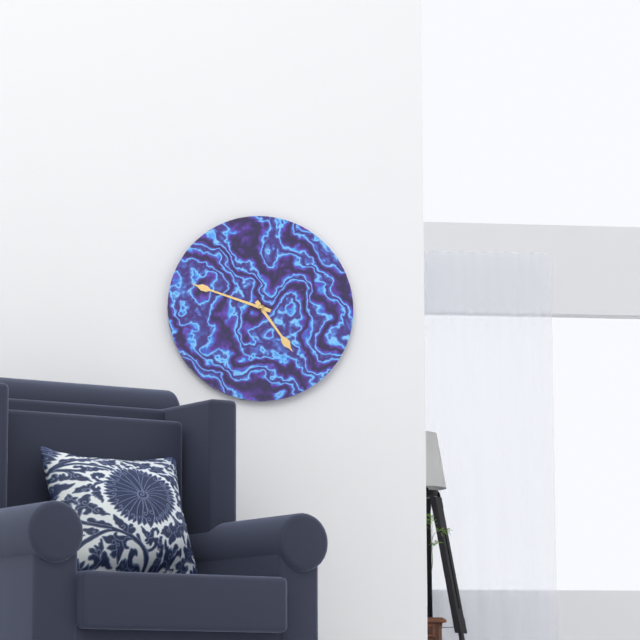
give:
4.48
